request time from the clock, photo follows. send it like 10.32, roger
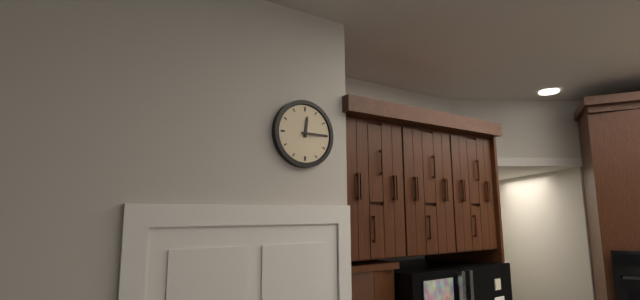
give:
12.15
